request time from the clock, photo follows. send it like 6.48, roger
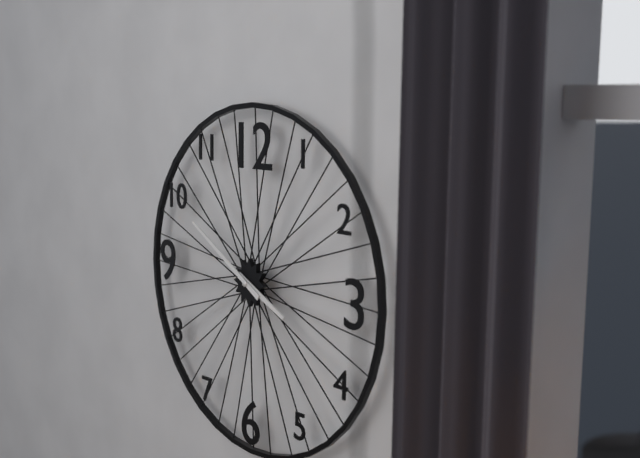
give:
3.50
